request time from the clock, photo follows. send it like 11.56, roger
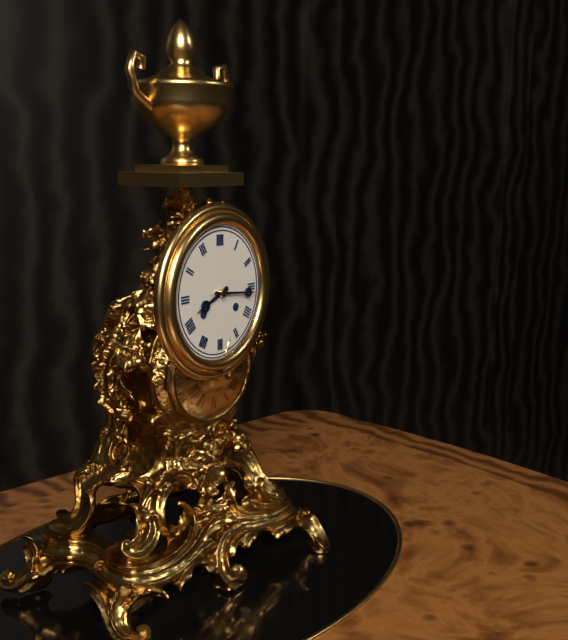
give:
8.16
